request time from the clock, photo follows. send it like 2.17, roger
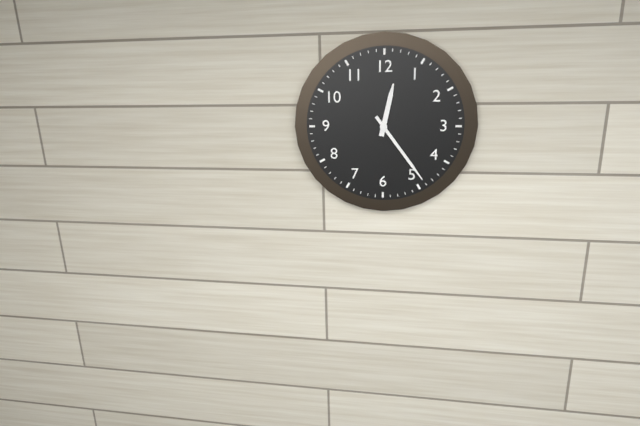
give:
12.24
